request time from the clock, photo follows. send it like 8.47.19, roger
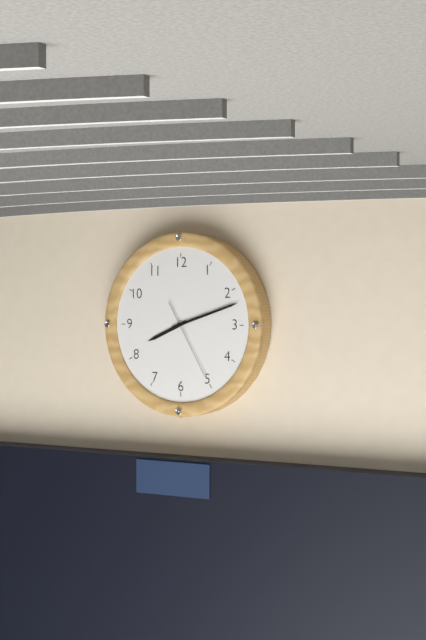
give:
8.12.25
